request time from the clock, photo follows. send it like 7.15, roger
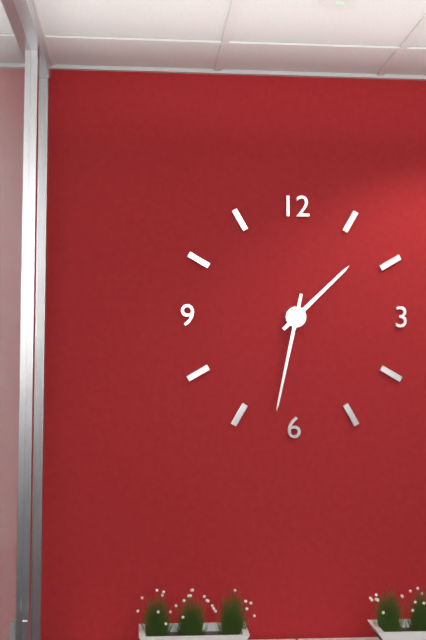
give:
1.32
